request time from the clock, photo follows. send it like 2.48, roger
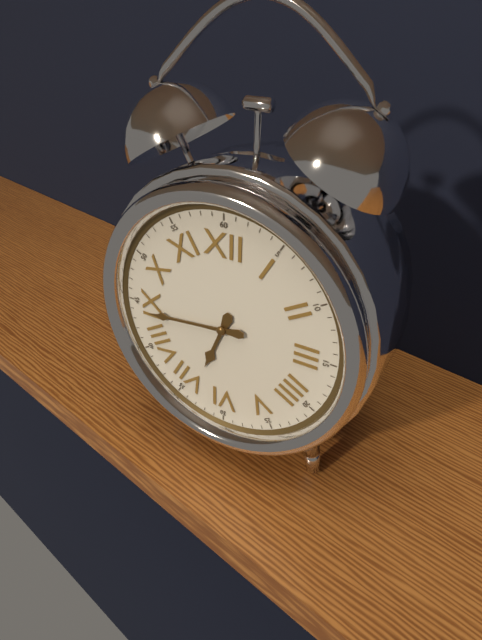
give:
6.44
